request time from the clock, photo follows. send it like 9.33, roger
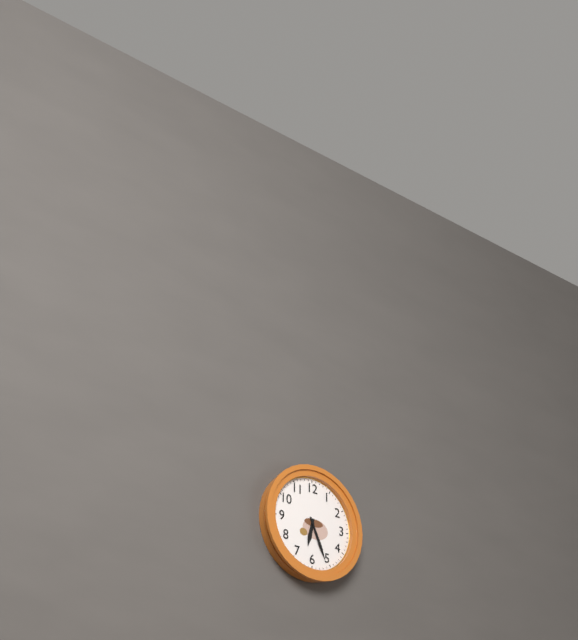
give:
6.26
